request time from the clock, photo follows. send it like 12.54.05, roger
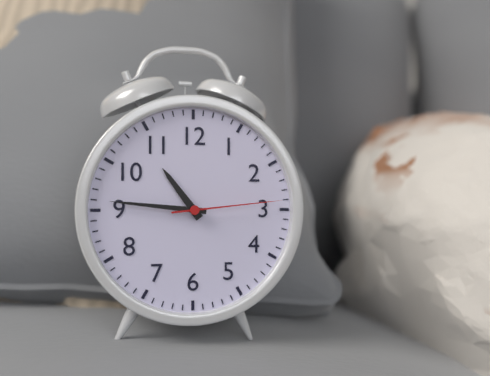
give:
10.46.14
